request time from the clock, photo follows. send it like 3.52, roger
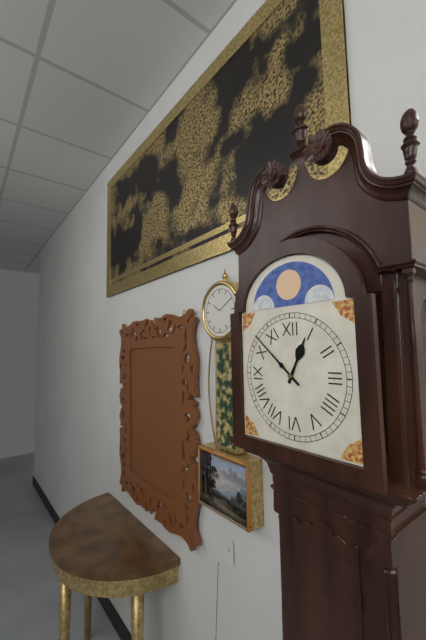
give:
12.52
